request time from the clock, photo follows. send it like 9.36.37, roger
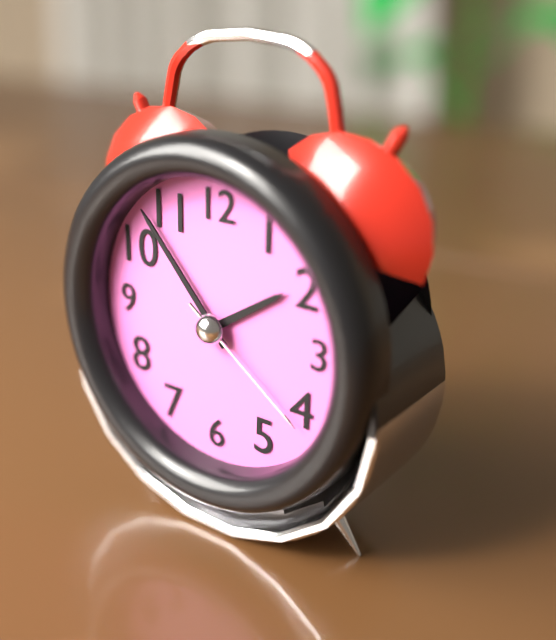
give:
1.53.21
